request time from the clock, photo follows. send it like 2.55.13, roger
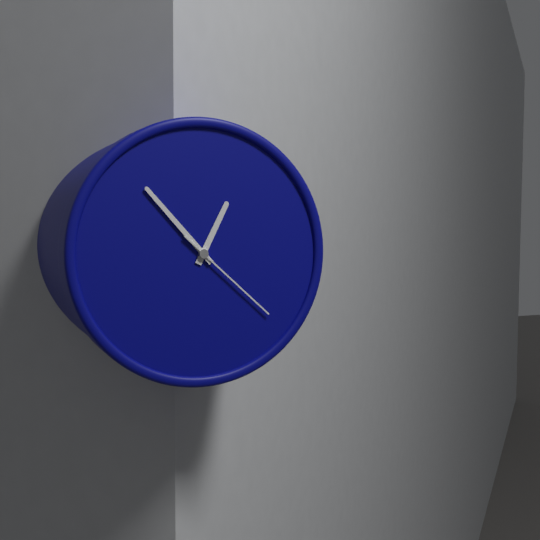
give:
12.53.22
